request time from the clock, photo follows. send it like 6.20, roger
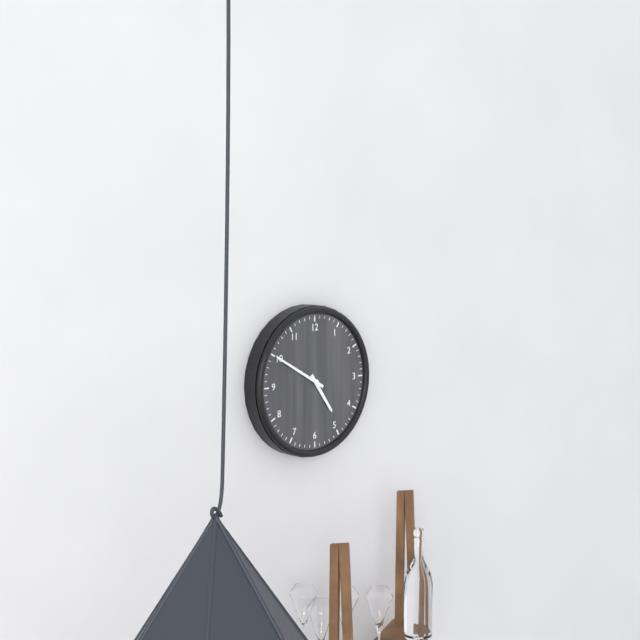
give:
4.50
